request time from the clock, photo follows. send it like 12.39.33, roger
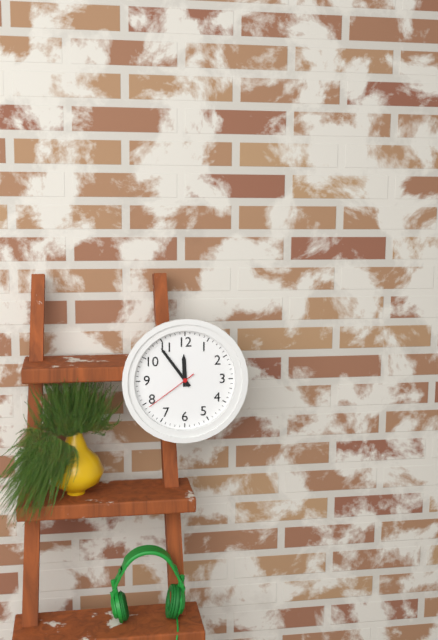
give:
11.54.39
